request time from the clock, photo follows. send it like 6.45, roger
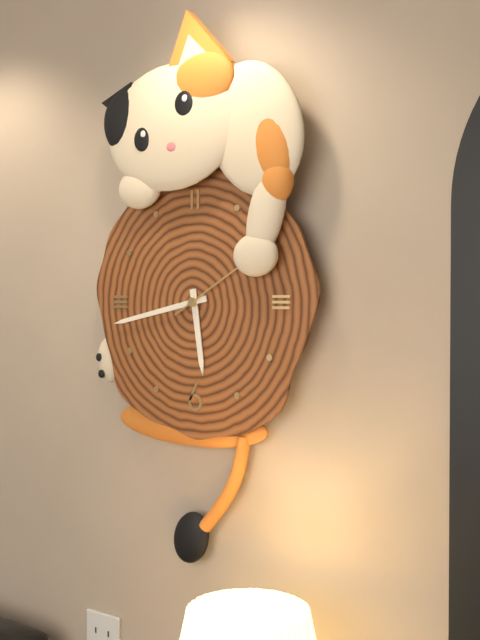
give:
5.43
